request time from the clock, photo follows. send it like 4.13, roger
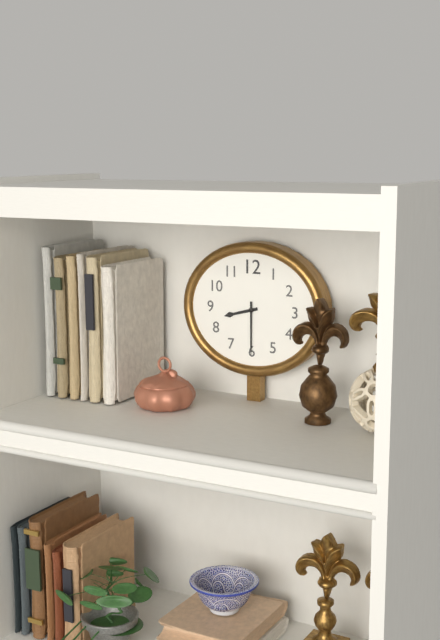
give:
8.30
